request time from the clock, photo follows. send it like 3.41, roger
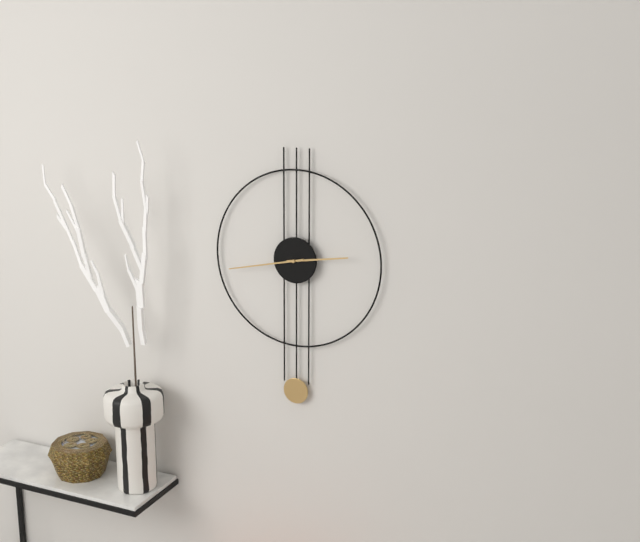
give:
2.43
